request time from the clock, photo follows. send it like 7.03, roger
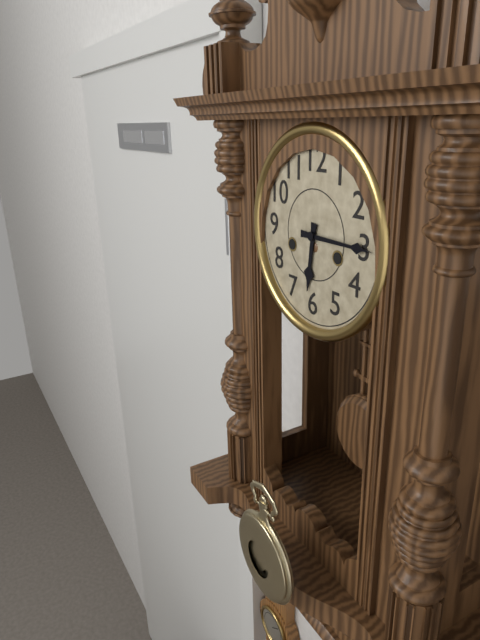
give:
6.15
